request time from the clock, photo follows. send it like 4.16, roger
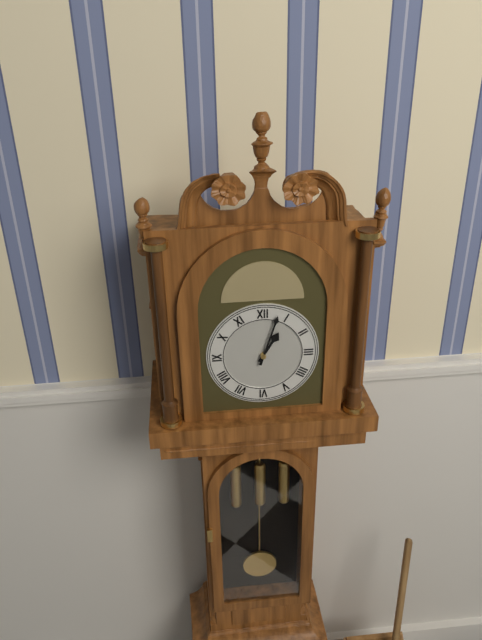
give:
1.03
